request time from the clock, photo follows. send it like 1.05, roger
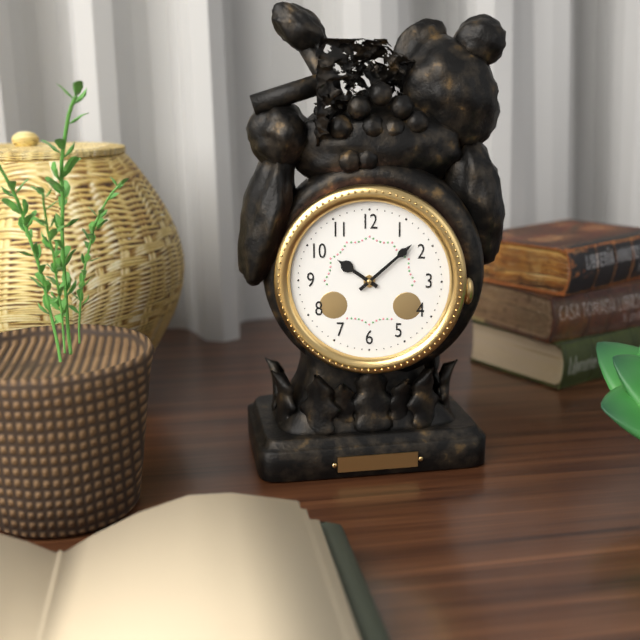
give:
10.08
